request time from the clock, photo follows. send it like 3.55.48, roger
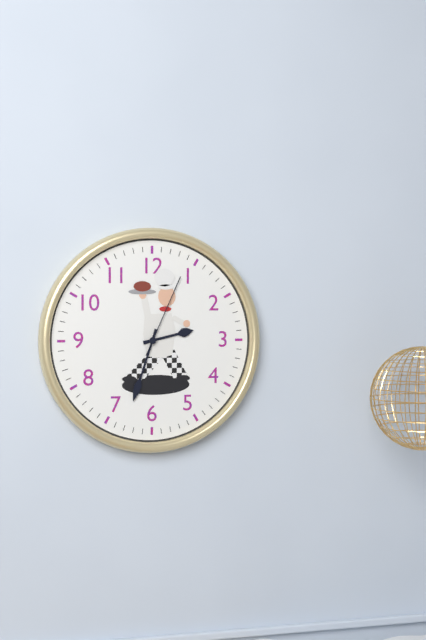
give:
2.33.04
